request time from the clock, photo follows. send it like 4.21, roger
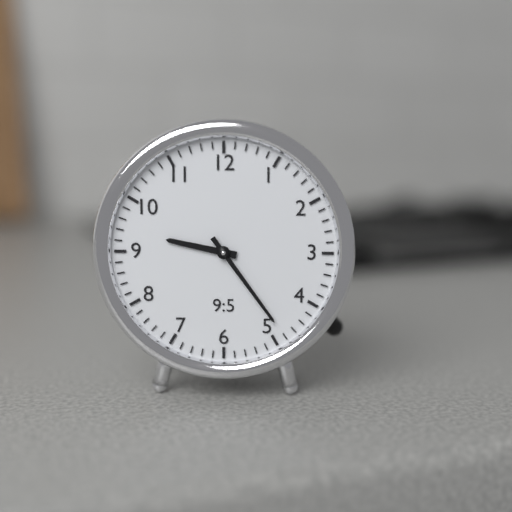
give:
9.24
